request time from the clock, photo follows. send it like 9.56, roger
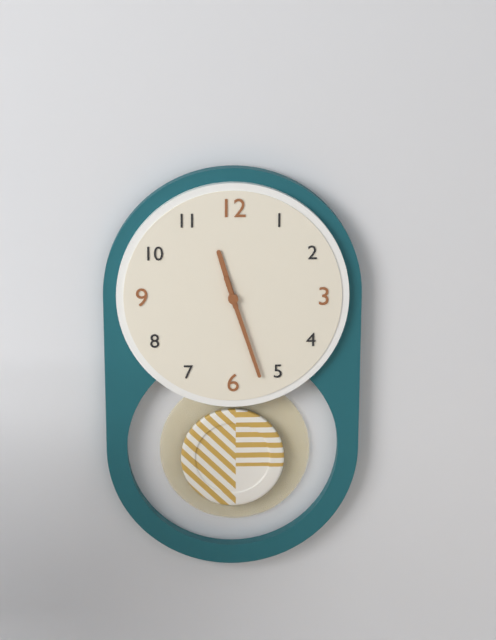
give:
11.27
